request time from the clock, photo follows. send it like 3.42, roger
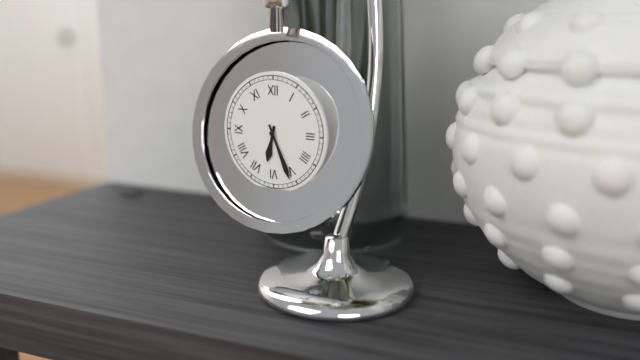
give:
6.26
